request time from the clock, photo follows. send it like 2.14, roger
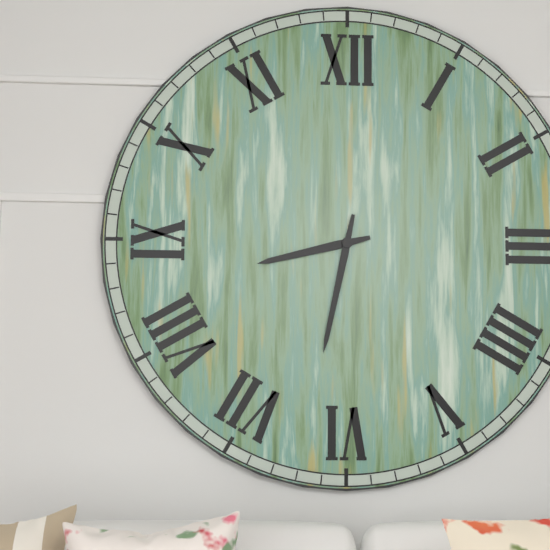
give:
8.32
